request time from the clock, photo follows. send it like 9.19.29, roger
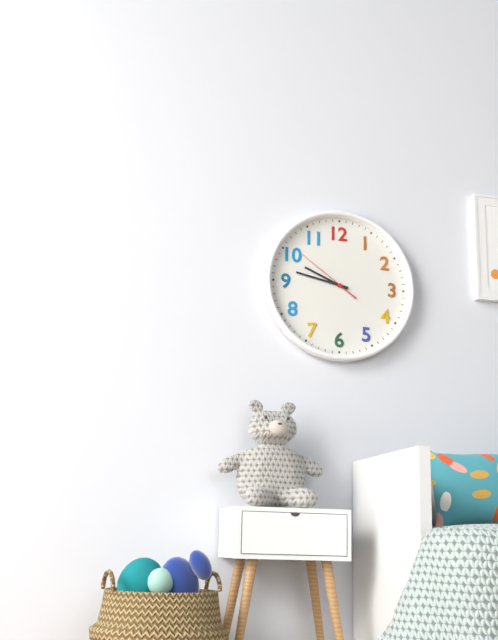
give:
9.47.51
